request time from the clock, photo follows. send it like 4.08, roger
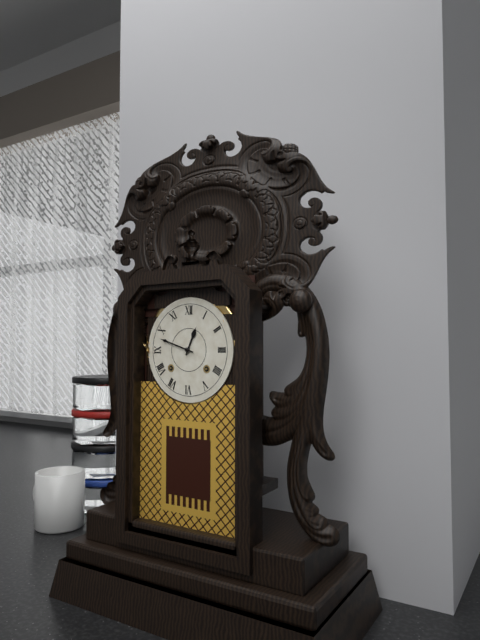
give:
12.48
